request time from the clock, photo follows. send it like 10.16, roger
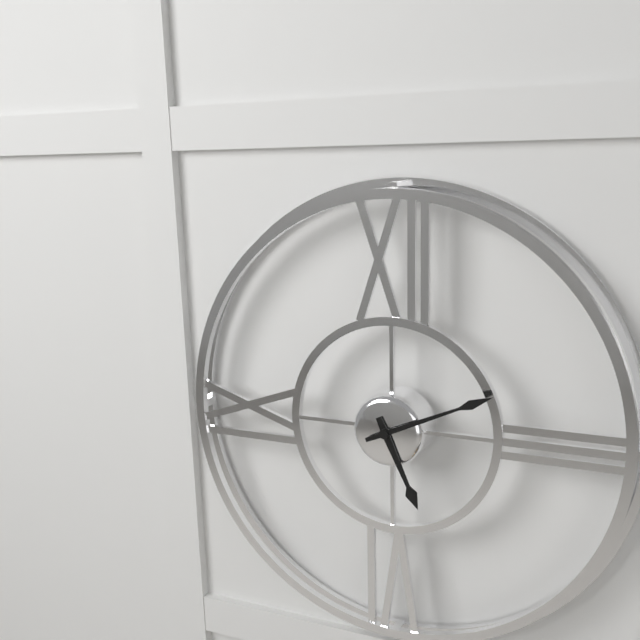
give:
5.11
